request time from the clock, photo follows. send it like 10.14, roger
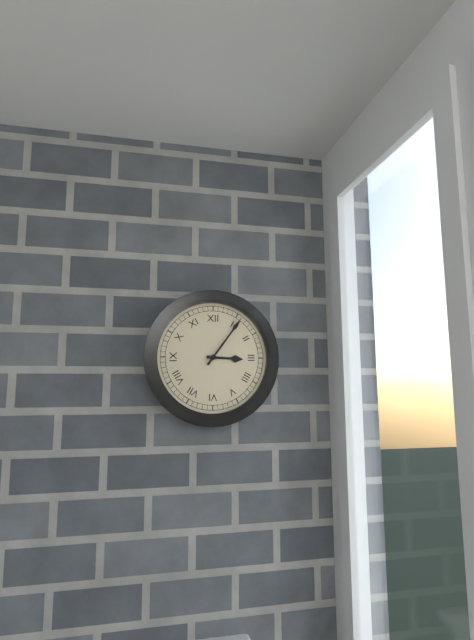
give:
3.06
